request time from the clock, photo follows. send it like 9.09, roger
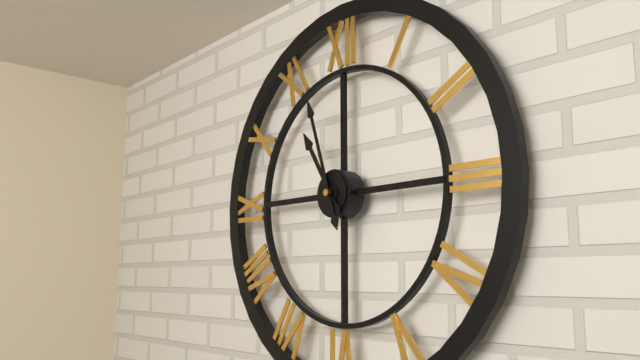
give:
10.57
